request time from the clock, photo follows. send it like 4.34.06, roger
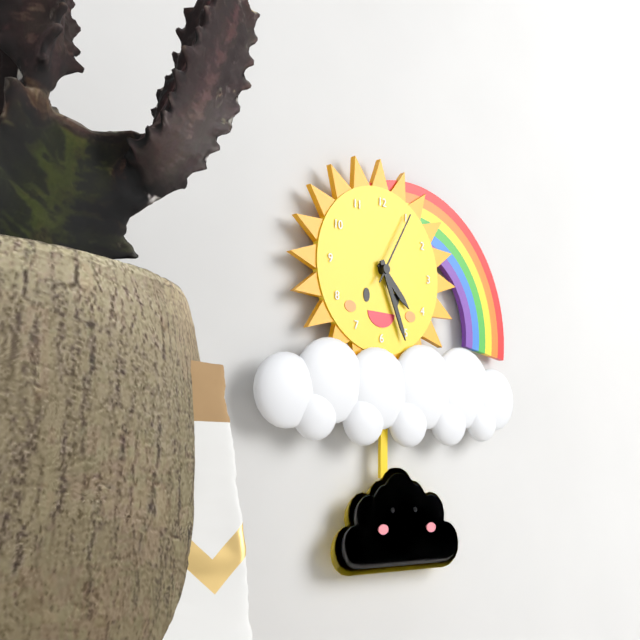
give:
4.26.05
